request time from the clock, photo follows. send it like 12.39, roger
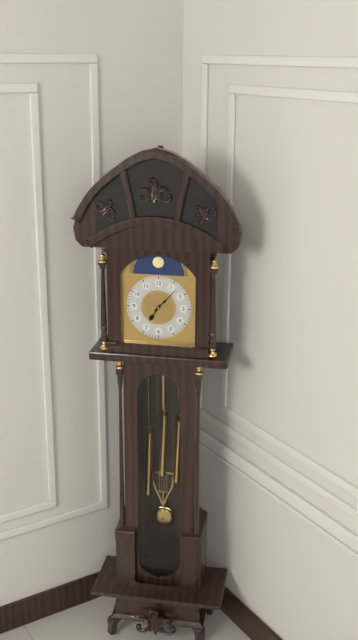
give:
7.07
